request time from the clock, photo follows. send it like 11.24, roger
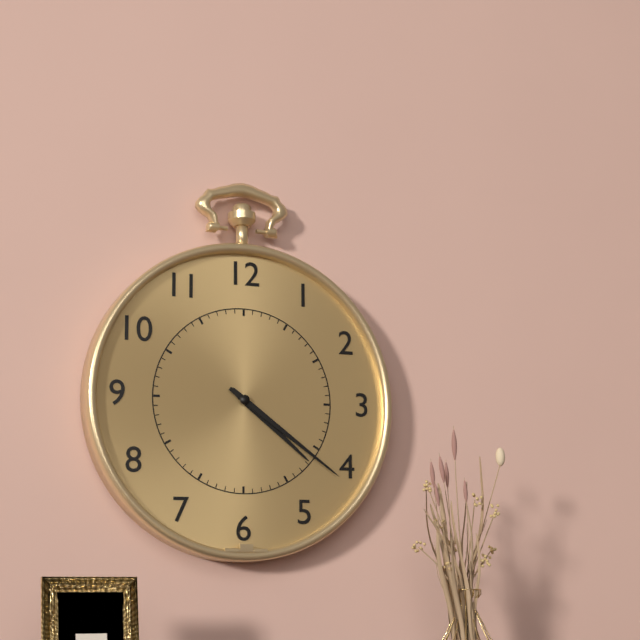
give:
4.21
